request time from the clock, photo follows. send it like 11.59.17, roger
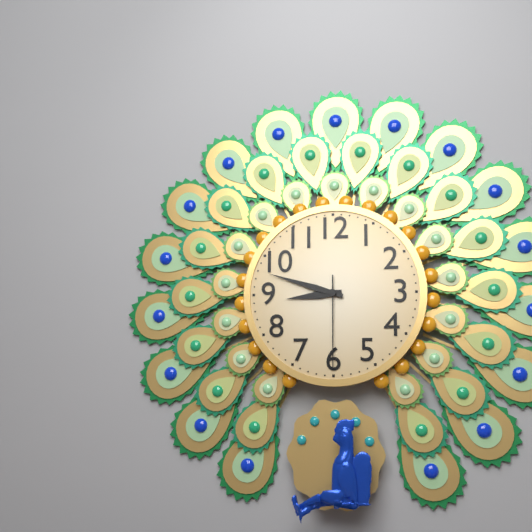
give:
8.48.30
